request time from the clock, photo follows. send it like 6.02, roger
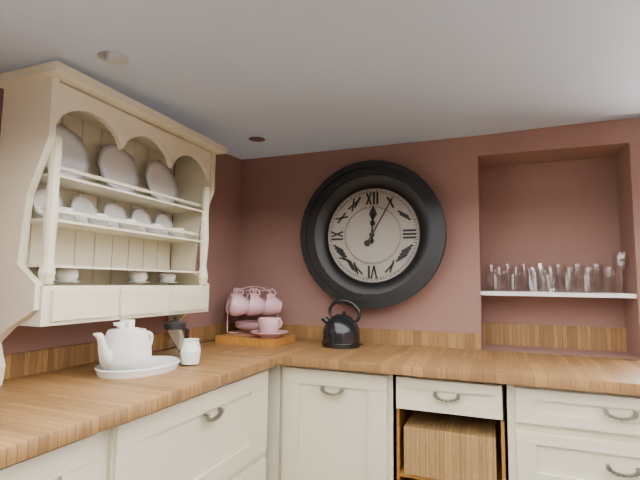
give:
12.05
